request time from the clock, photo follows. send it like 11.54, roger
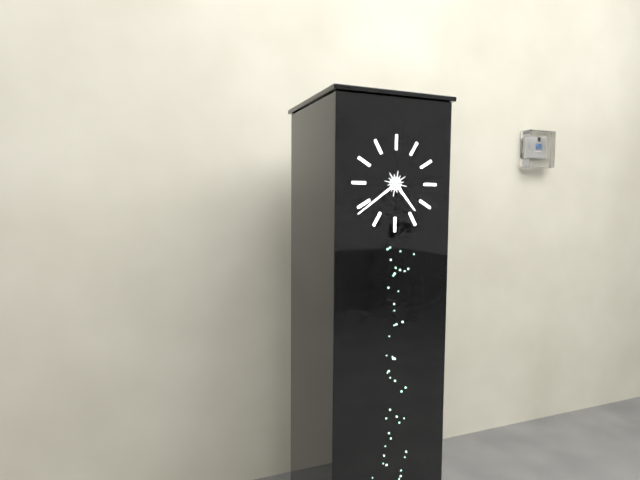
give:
4.39
